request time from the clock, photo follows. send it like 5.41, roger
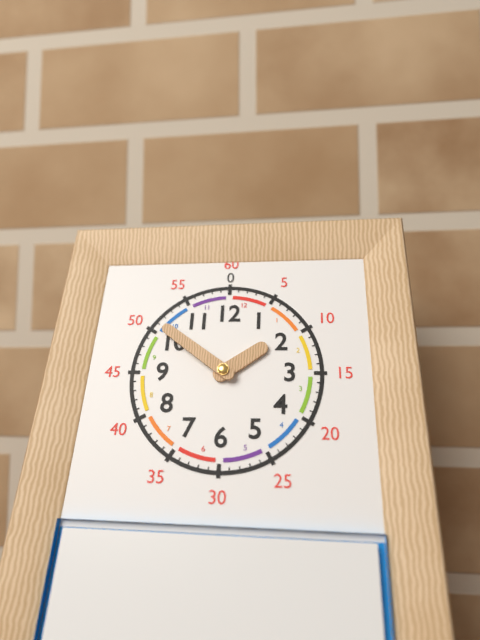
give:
1.51
